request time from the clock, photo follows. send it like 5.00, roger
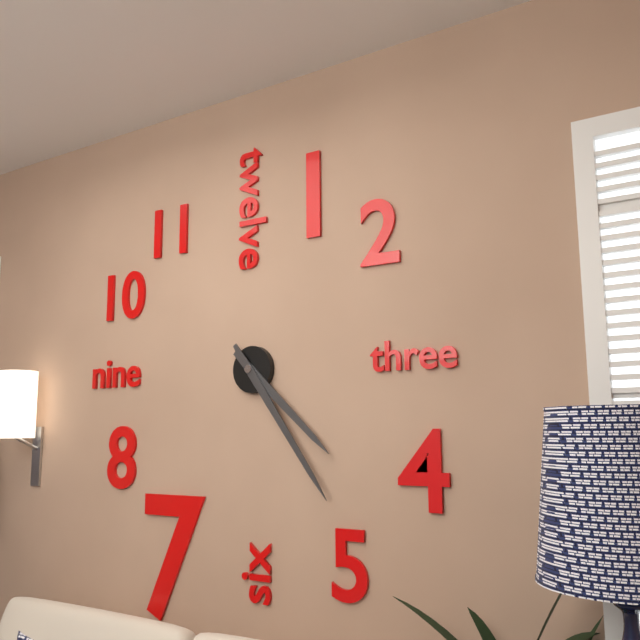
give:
4.24
